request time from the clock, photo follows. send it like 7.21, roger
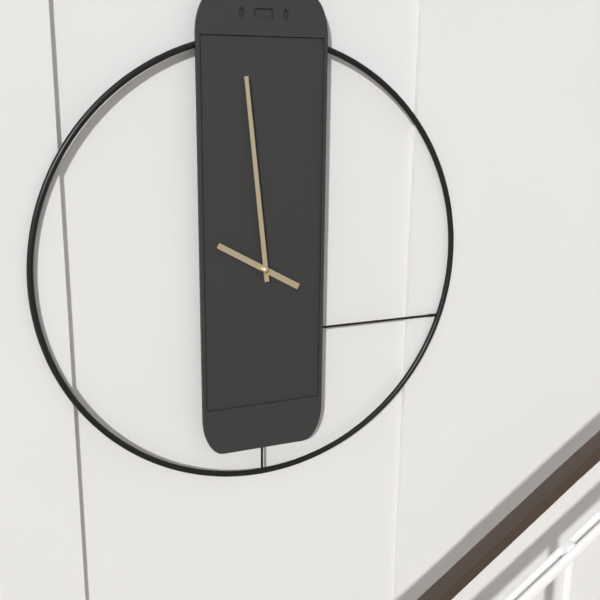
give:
9.59
